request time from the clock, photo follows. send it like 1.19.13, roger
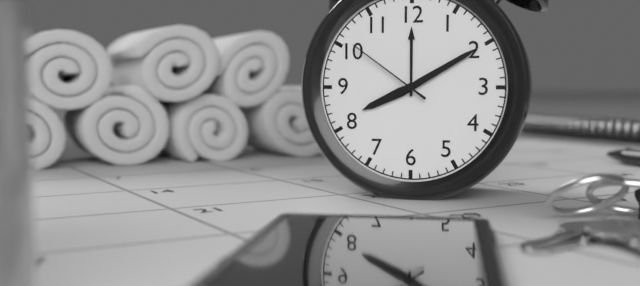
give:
8.10.51
